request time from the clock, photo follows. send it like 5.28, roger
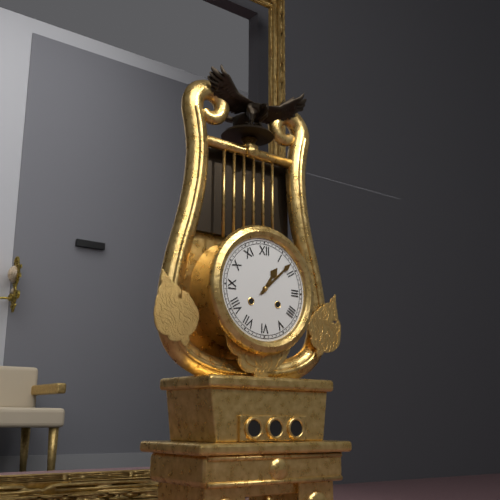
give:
1.08
